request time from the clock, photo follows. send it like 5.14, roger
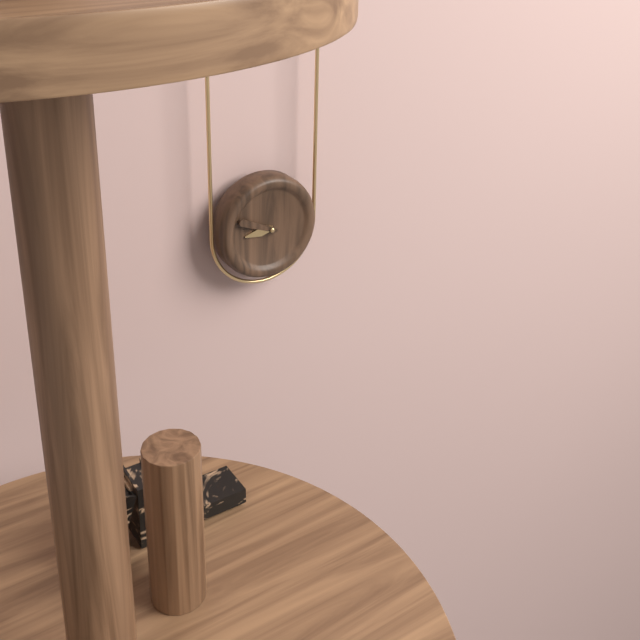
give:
8.49
